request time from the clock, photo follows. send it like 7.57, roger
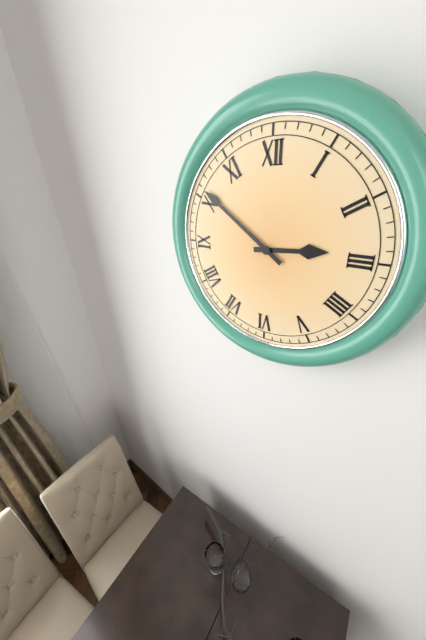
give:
2.51
